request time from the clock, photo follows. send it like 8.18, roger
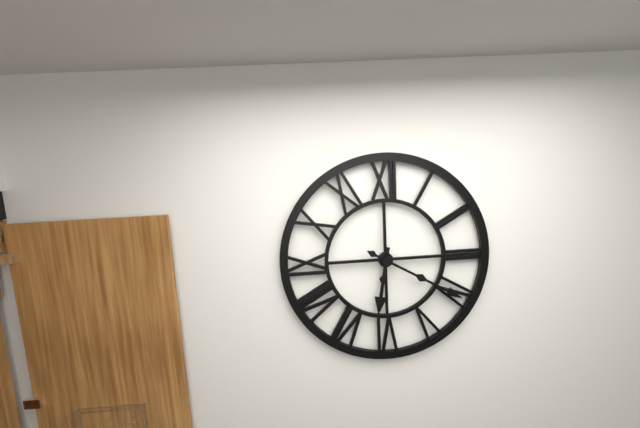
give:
6.20
